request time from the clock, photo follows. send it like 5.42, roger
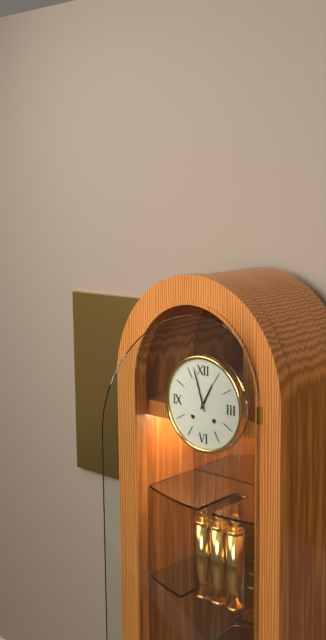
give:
12.57
